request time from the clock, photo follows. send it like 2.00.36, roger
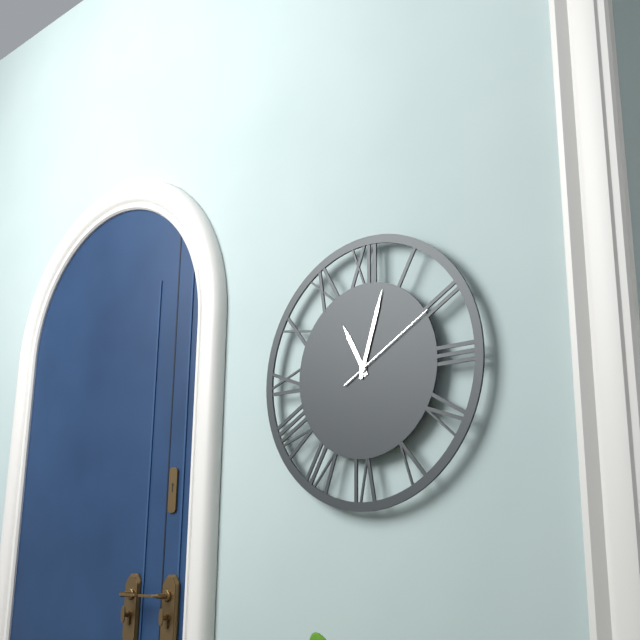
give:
11.03.10
